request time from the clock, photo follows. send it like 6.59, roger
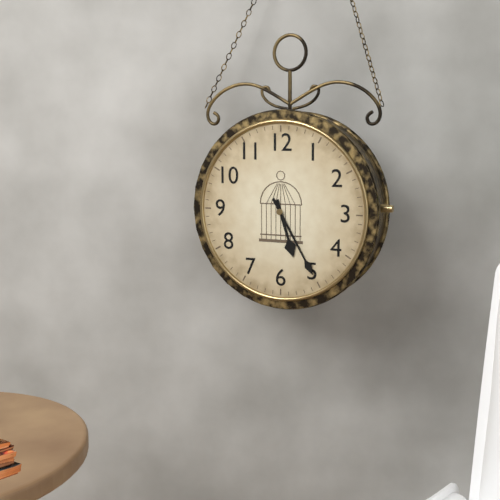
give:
5.25
